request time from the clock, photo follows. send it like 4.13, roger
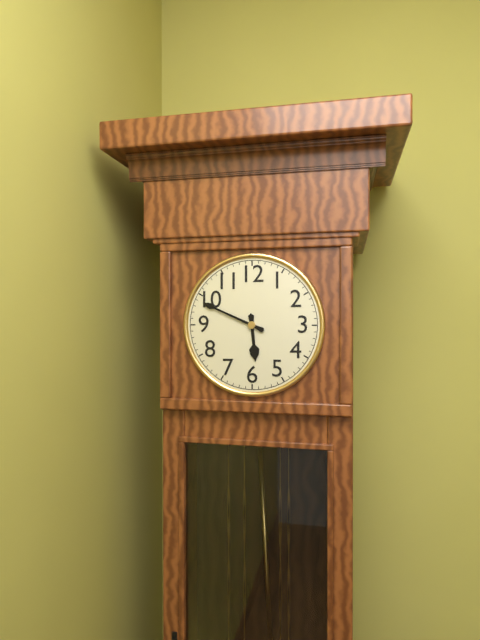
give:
5.49
